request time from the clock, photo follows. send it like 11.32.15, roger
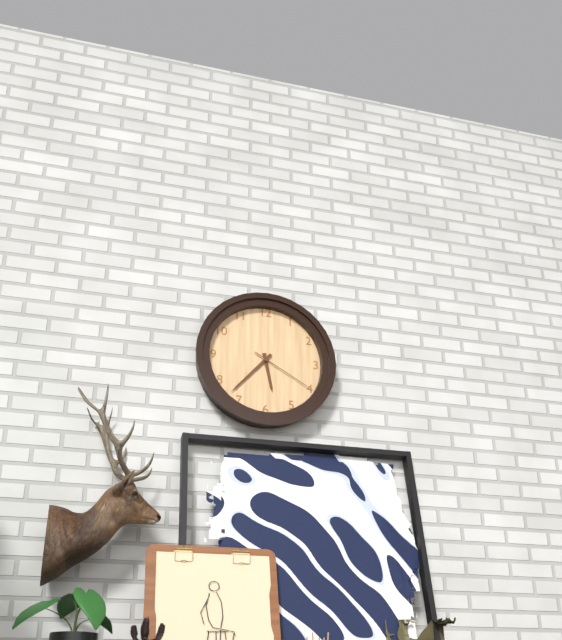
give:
5.37.20
